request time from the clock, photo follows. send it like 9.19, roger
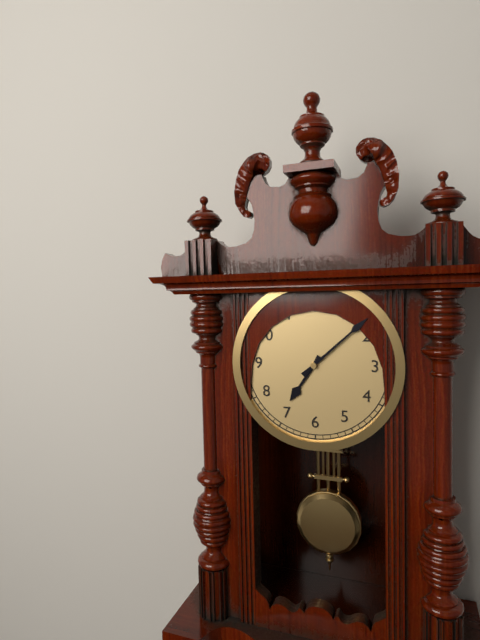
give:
7.08
